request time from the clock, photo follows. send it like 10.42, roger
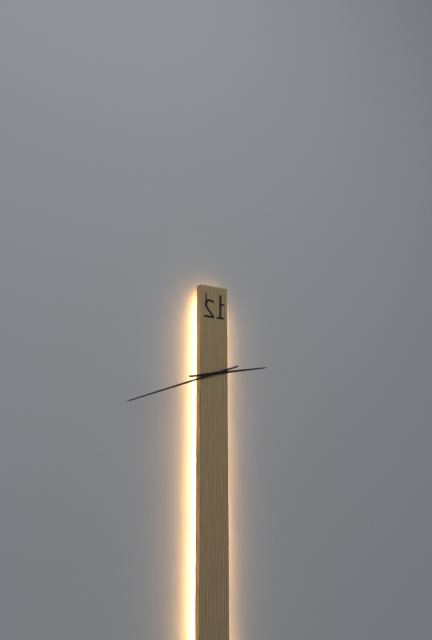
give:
2.42
